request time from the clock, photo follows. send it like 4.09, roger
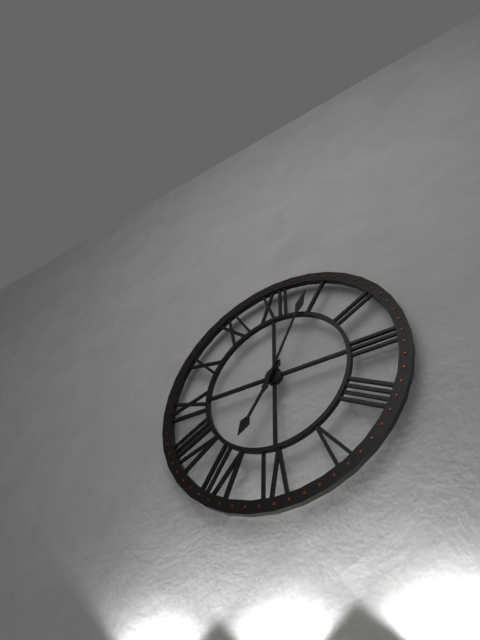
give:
7.04
